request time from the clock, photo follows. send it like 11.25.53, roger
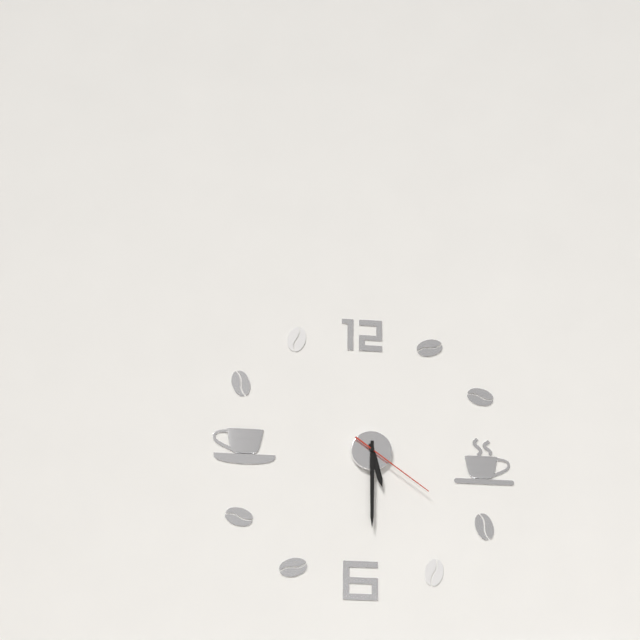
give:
5.30.21
